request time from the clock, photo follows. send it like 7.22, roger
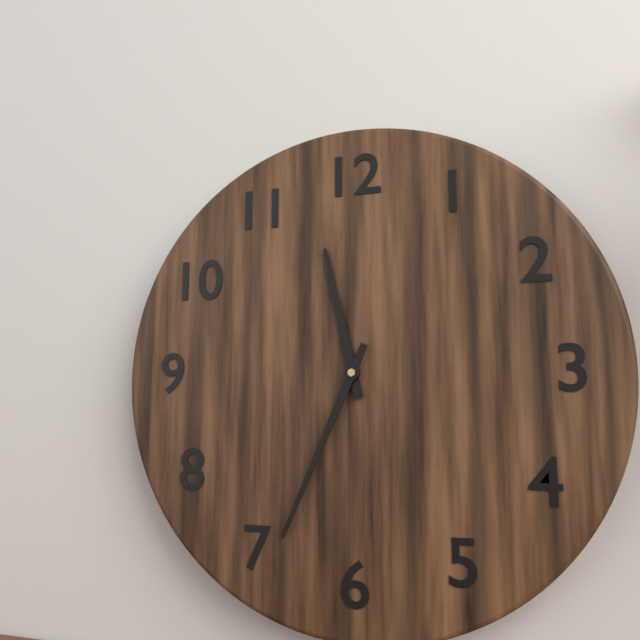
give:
11.34
